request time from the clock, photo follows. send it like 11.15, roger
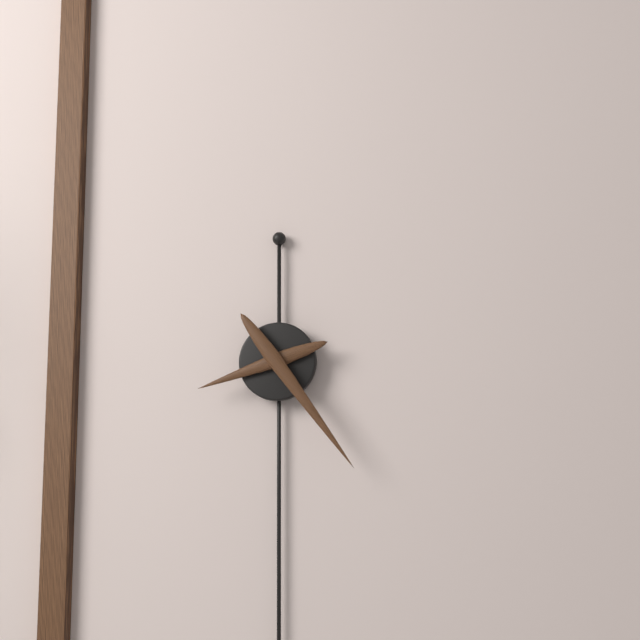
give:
8.24
